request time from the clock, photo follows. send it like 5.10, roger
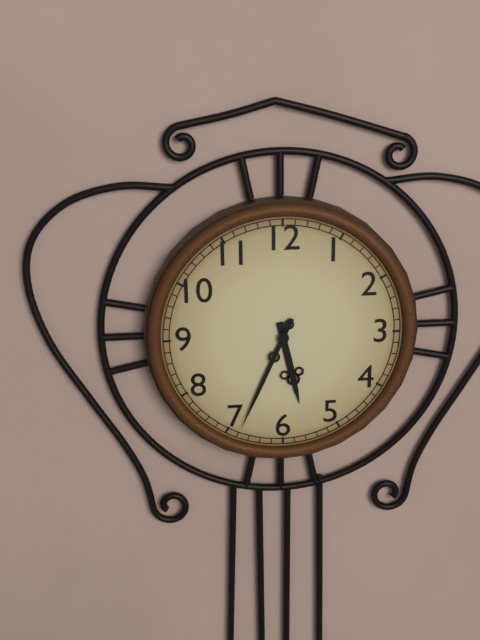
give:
5.34
